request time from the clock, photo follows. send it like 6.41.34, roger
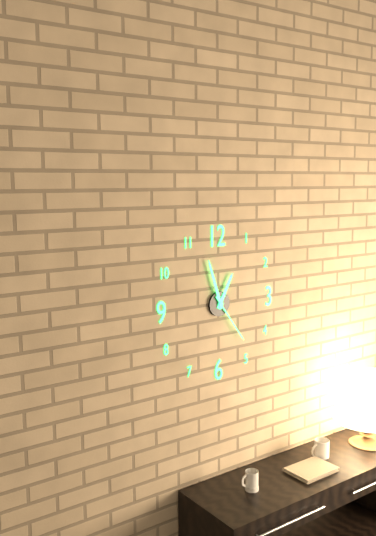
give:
12.57.24
